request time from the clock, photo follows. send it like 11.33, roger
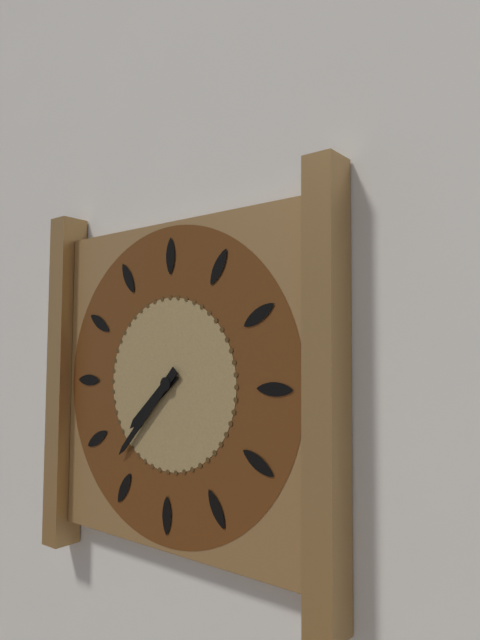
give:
7.37
